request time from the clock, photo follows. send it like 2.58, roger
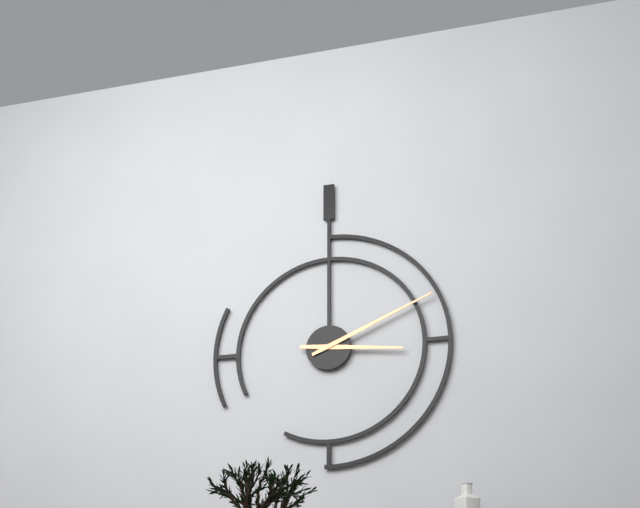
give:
3.11
